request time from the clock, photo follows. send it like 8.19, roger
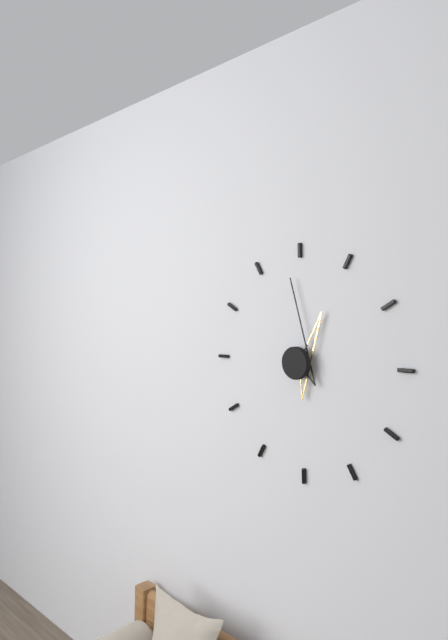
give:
12.59
